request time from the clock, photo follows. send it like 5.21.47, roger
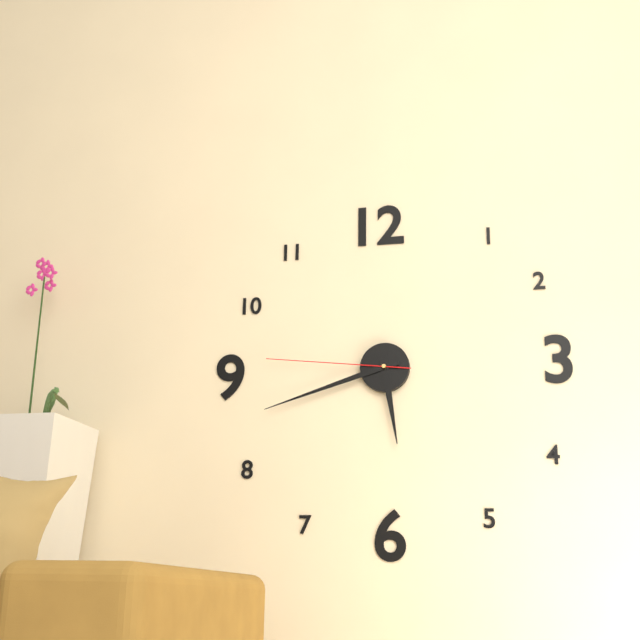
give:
5.42.46
